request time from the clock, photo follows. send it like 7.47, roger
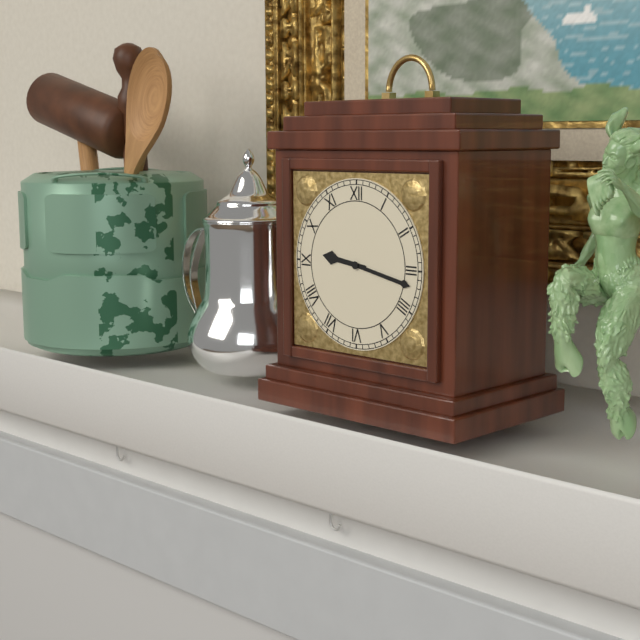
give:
9.17
